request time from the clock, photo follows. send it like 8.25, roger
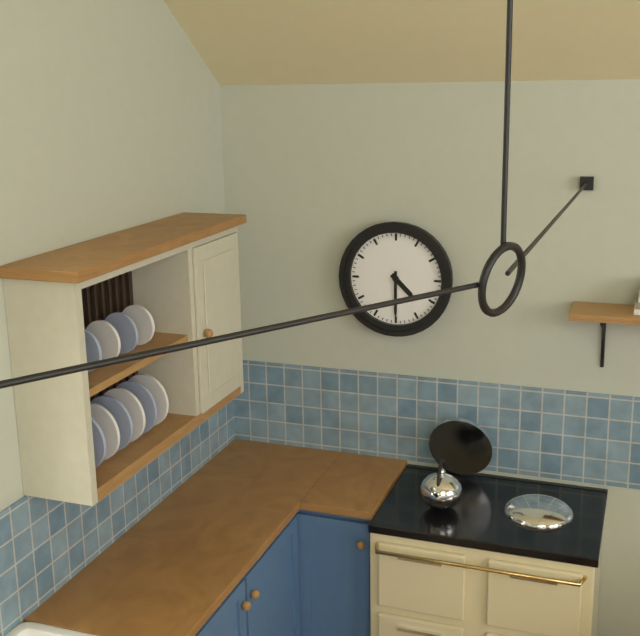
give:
4.30
